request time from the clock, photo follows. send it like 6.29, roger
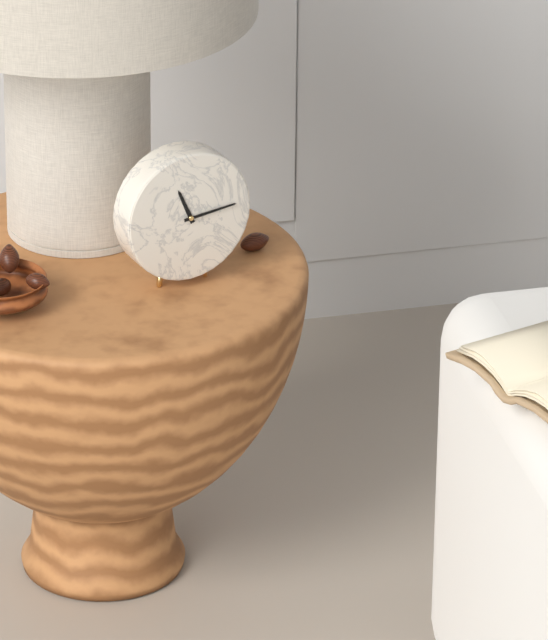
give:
11.14
